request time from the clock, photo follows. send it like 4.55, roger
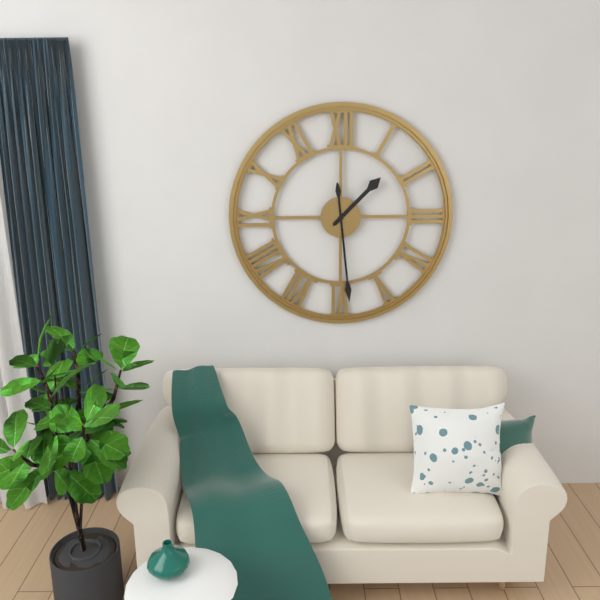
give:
1.29
